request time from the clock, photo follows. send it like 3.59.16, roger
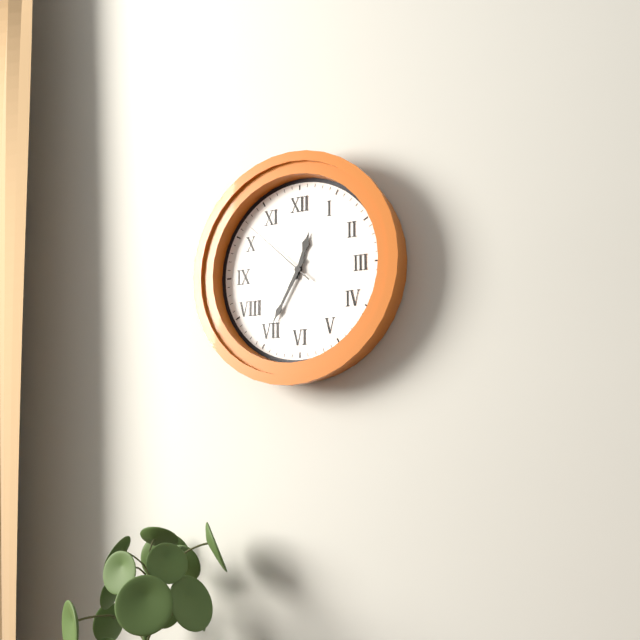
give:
12.35.52
